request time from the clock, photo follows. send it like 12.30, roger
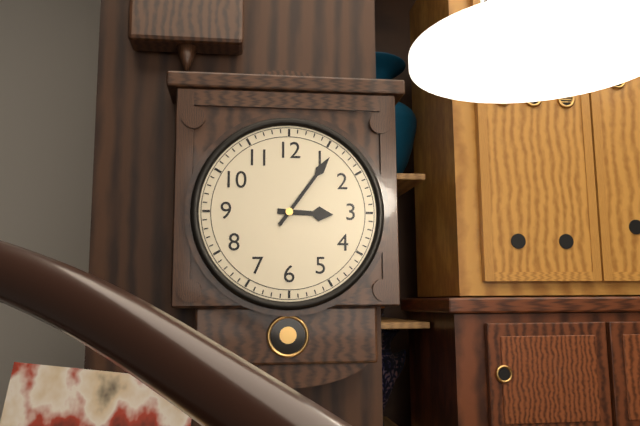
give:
3.06
